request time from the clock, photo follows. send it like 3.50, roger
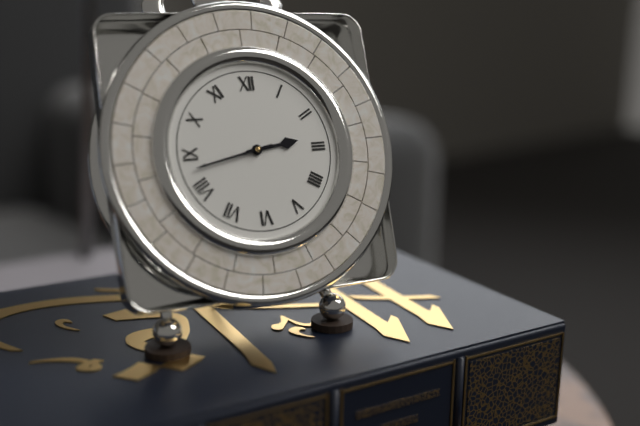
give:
2.43
